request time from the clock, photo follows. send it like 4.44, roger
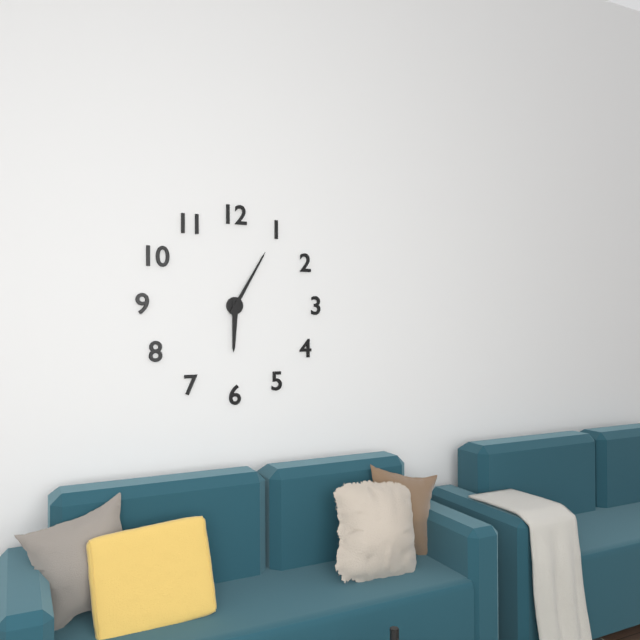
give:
6.05
